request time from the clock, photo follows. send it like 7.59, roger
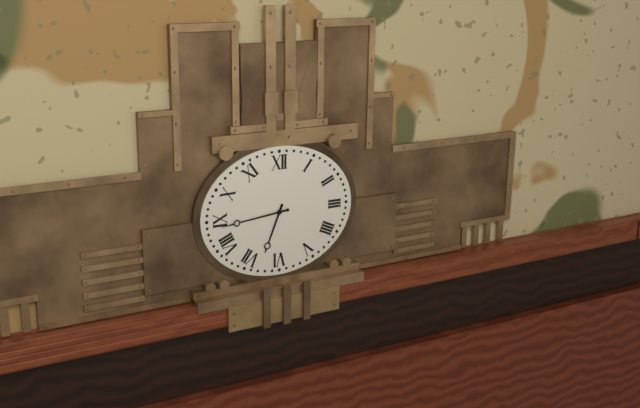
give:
6.44
